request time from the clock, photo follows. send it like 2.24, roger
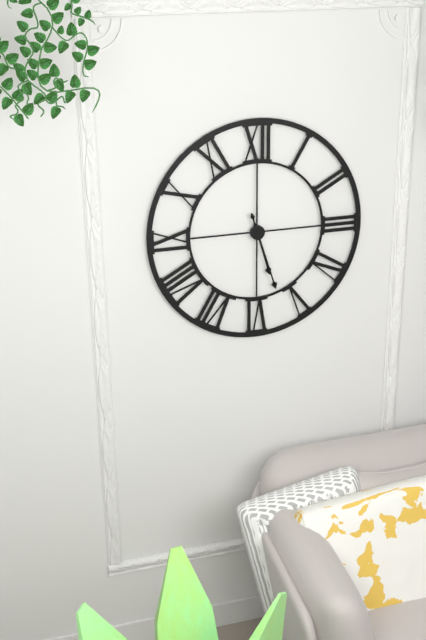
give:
5.27
